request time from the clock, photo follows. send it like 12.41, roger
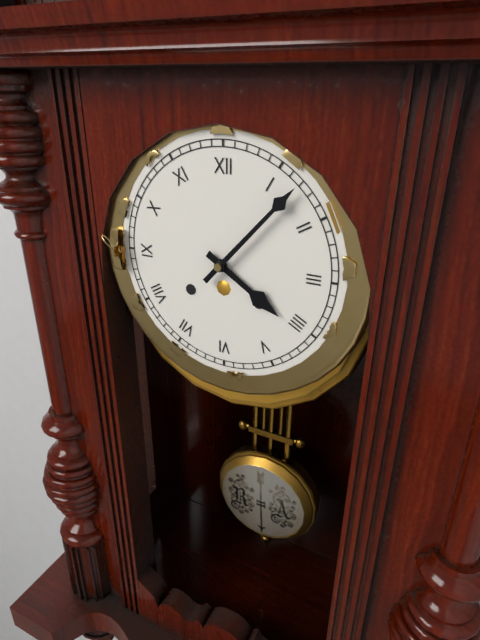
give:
4.07
